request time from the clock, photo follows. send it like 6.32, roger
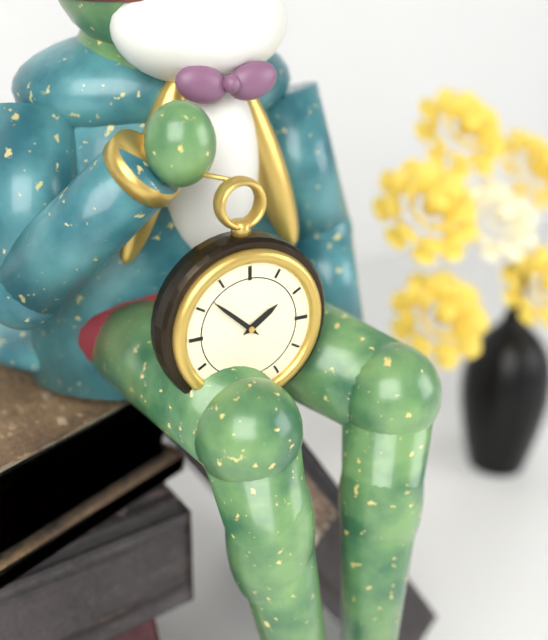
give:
1.52
